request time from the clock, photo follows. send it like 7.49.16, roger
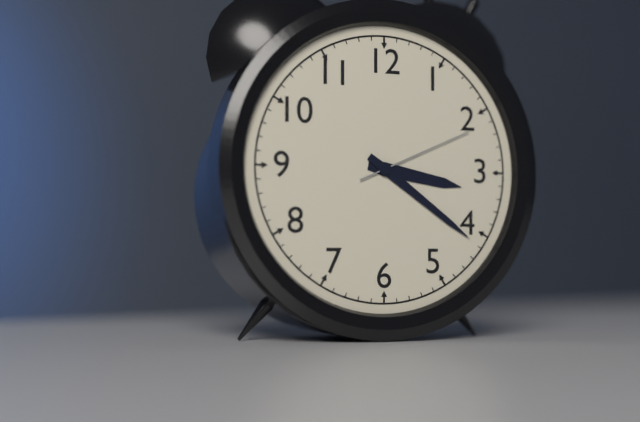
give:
3.21.11
